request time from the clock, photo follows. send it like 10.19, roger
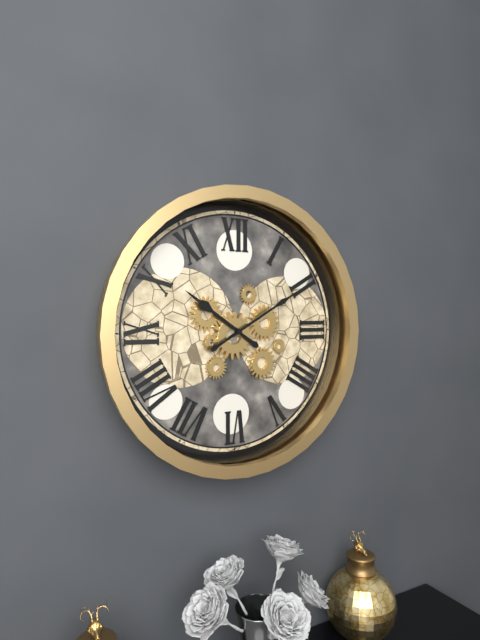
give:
10.10
